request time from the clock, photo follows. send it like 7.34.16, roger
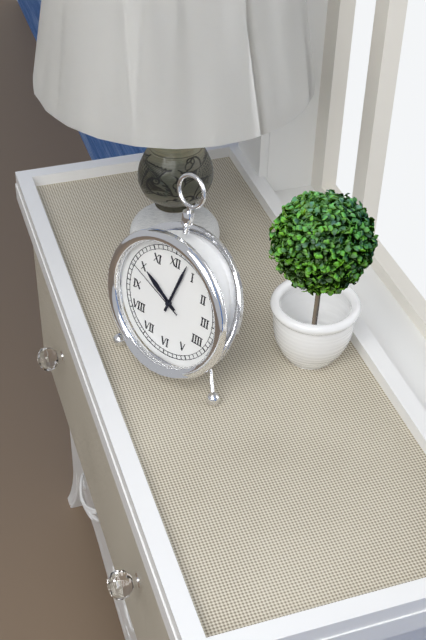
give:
10.03.49
